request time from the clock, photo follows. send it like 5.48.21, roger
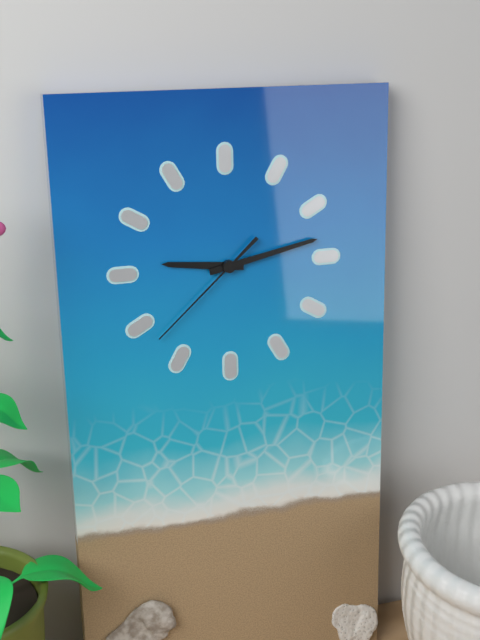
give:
9.13.38
